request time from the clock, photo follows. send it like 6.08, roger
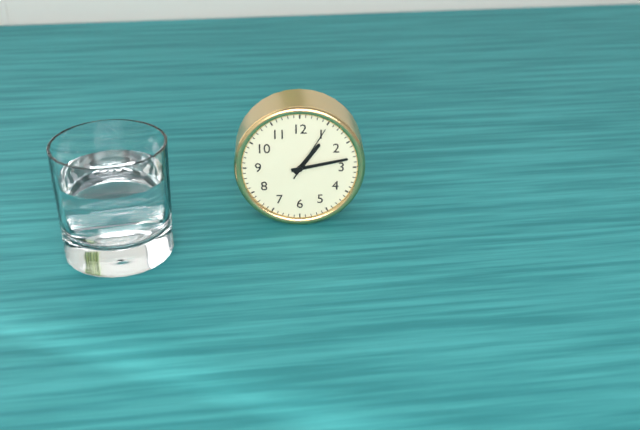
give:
1.13
